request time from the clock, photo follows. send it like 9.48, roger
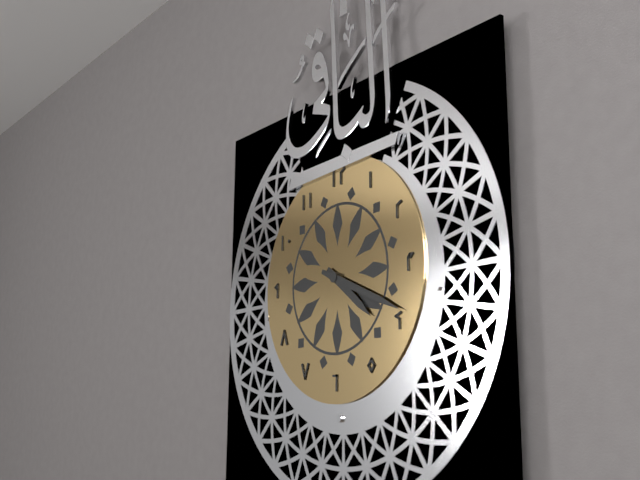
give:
4.19
